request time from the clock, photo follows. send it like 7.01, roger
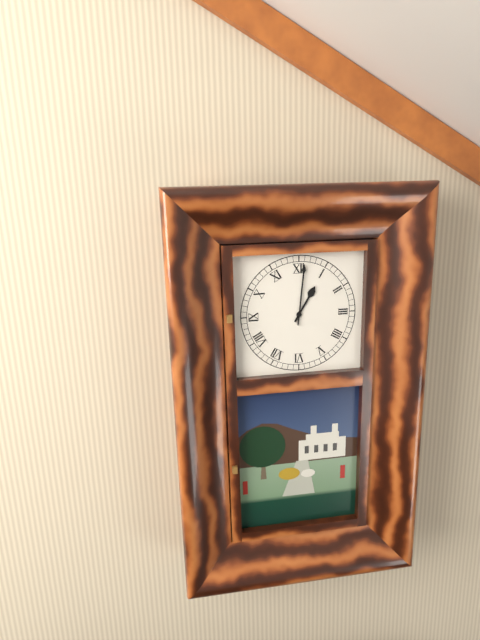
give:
1.01
